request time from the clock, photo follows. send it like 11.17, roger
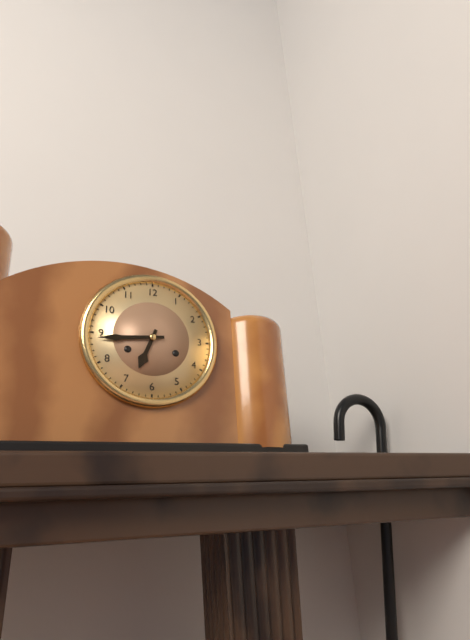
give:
6.44
